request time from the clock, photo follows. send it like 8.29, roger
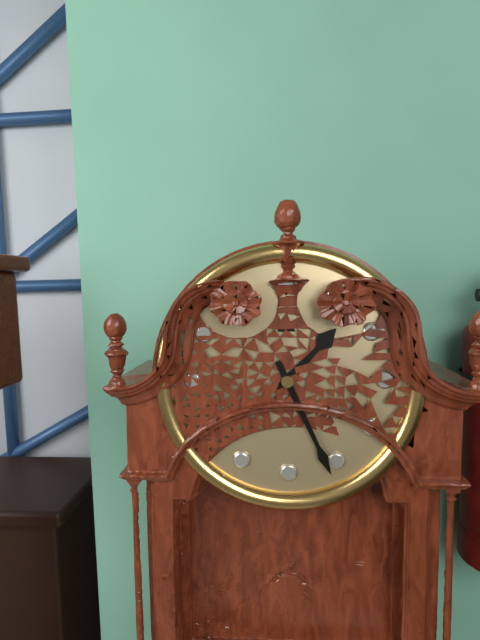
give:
1.26
